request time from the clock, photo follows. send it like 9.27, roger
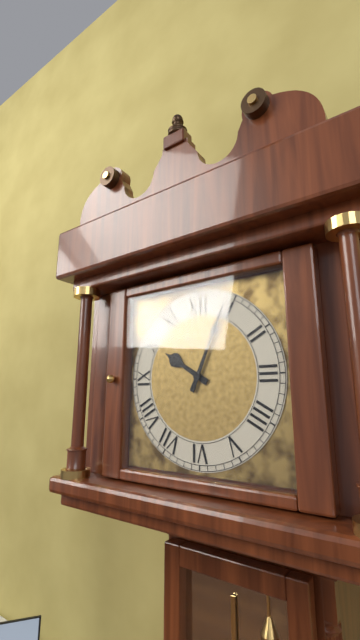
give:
10.04
